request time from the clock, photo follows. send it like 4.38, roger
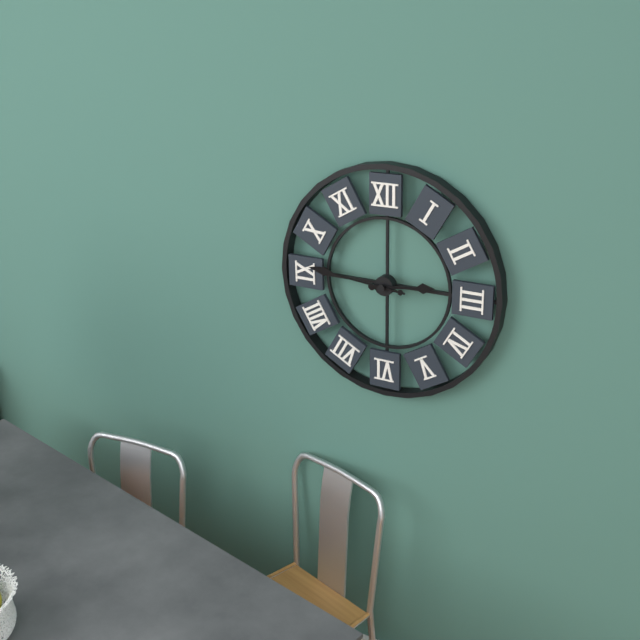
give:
2.46
